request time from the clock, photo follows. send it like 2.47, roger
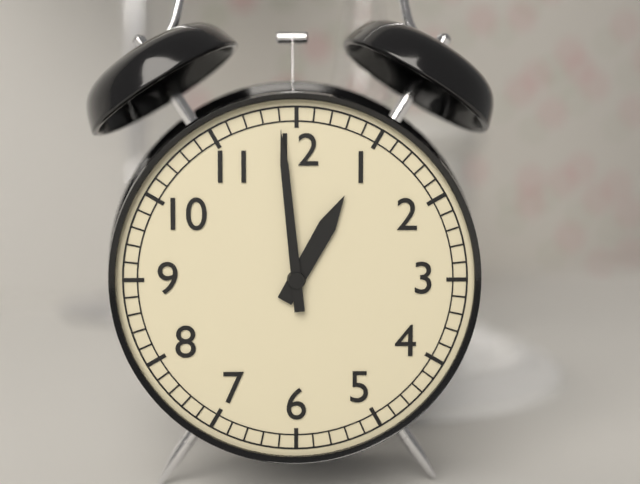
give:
12.59
